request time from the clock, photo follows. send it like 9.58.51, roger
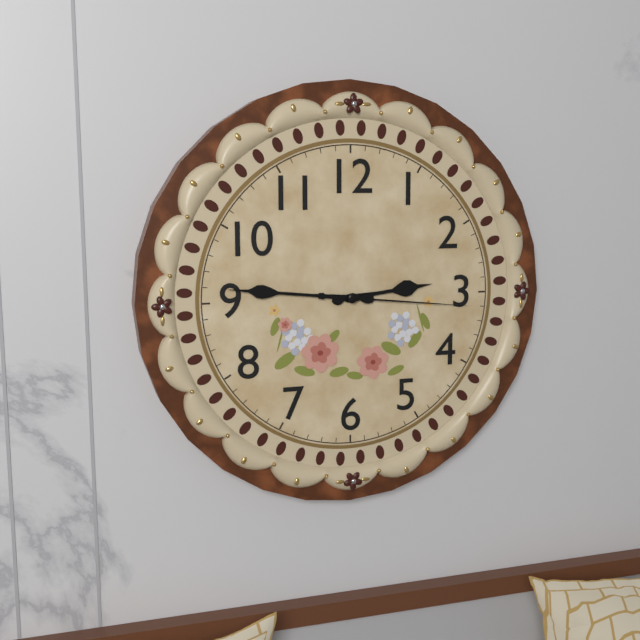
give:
2.46.16
